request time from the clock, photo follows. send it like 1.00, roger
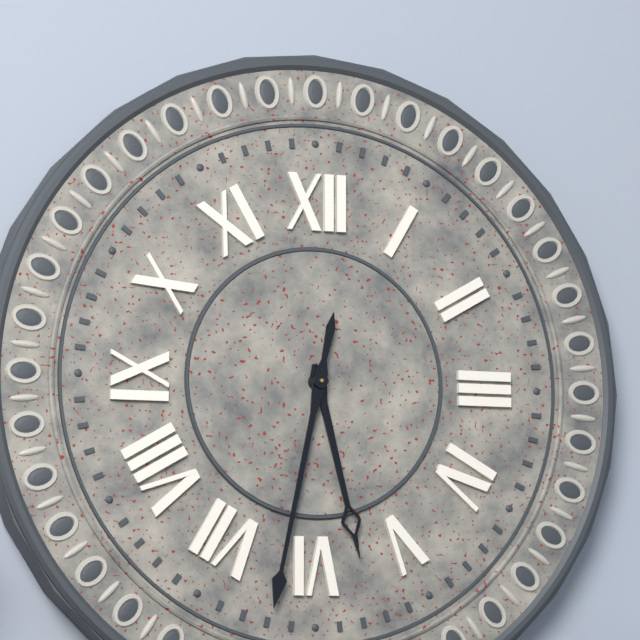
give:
5.32
